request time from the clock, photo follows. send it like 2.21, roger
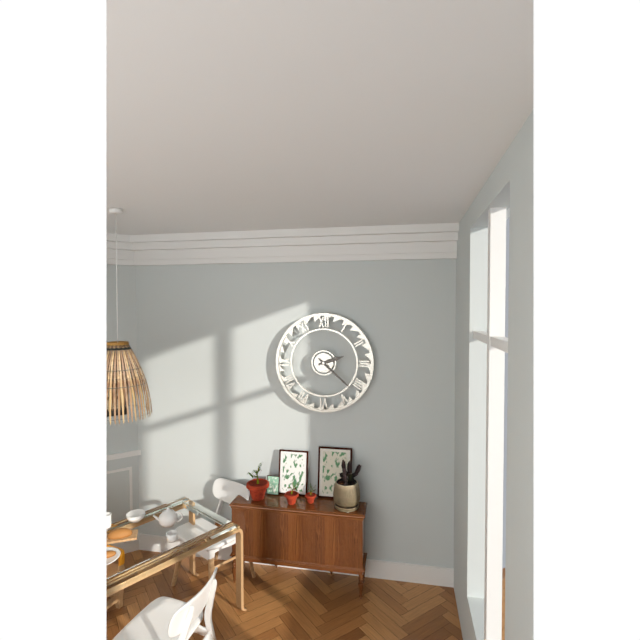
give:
2.22
